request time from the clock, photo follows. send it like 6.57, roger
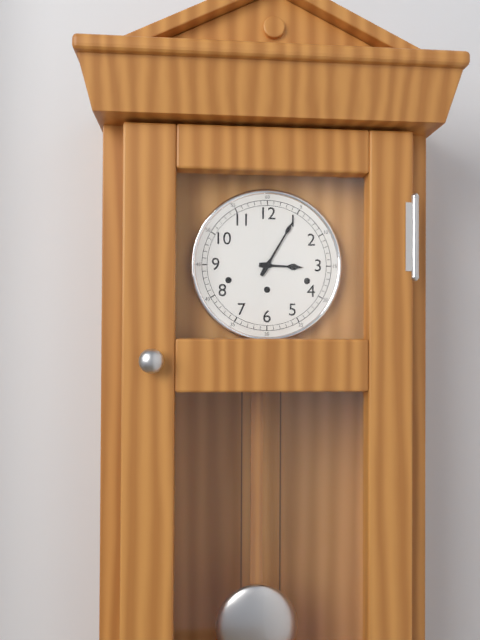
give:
3.05
